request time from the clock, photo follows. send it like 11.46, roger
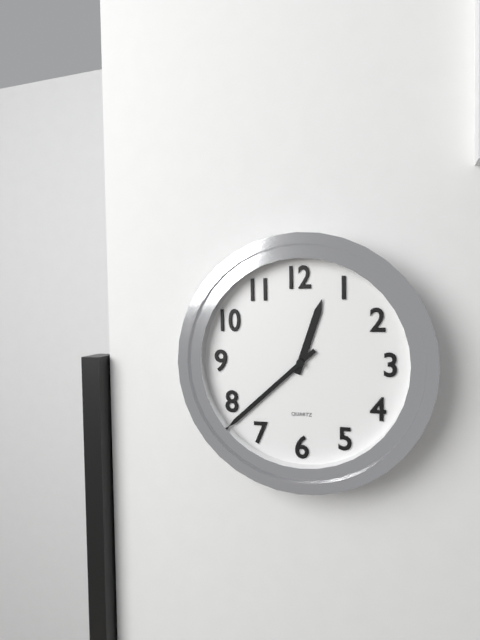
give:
12.38
